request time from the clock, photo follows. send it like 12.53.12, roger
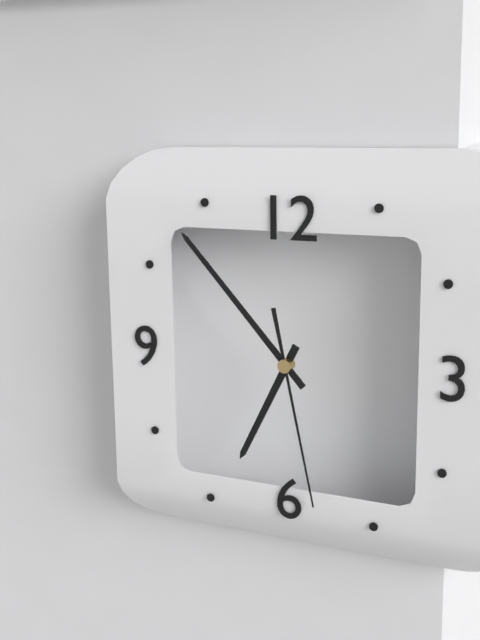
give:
6.53.28
